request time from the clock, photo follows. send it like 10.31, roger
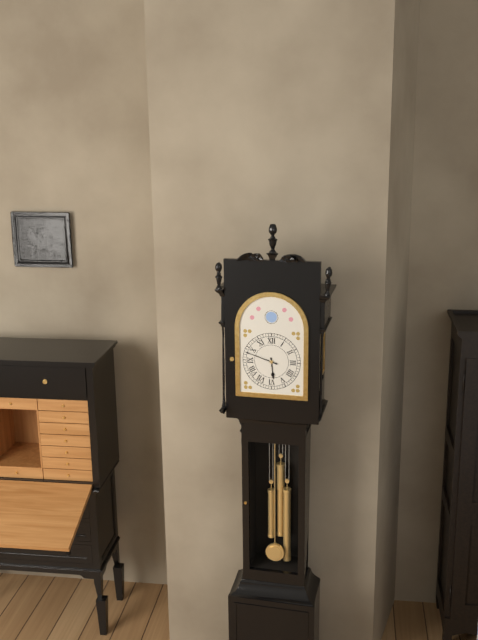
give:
5.48
